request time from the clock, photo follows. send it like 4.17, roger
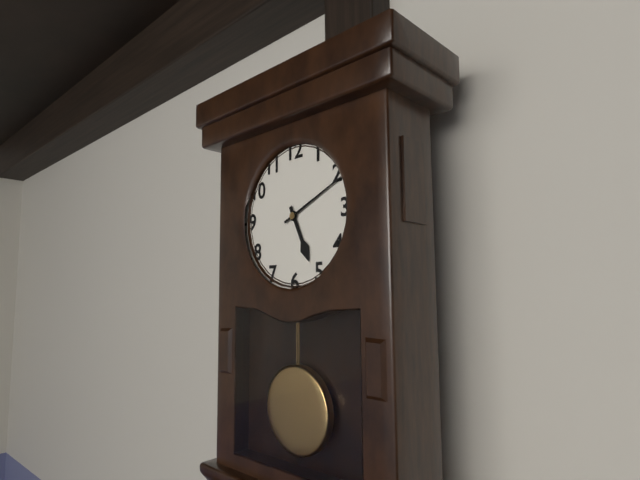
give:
5.11
